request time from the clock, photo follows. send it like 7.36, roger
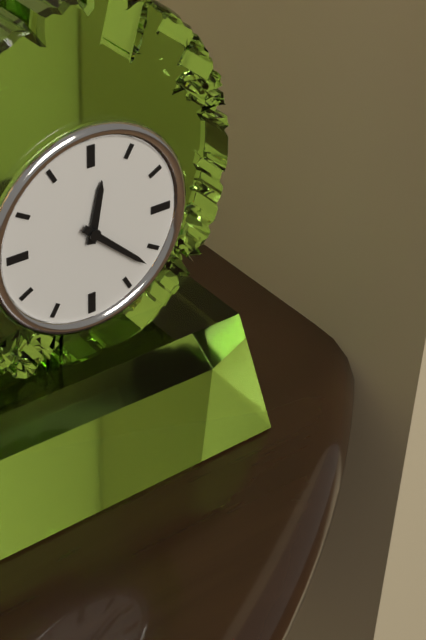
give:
12.22
